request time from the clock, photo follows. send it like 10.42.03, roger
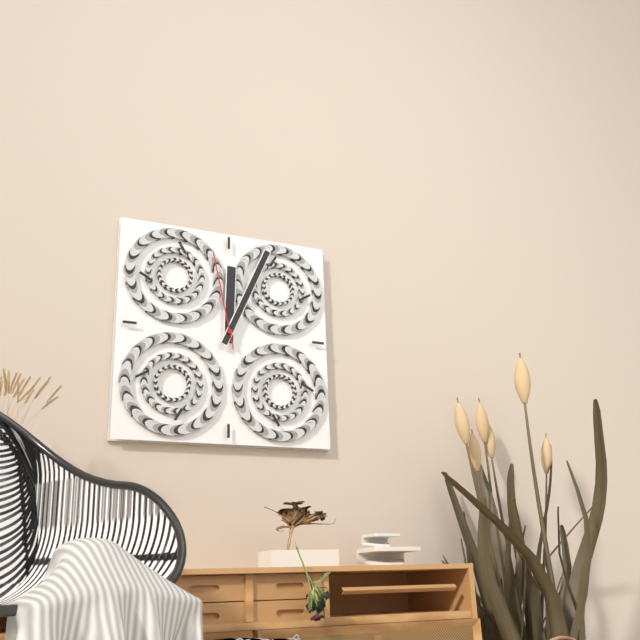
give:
12.04.58
